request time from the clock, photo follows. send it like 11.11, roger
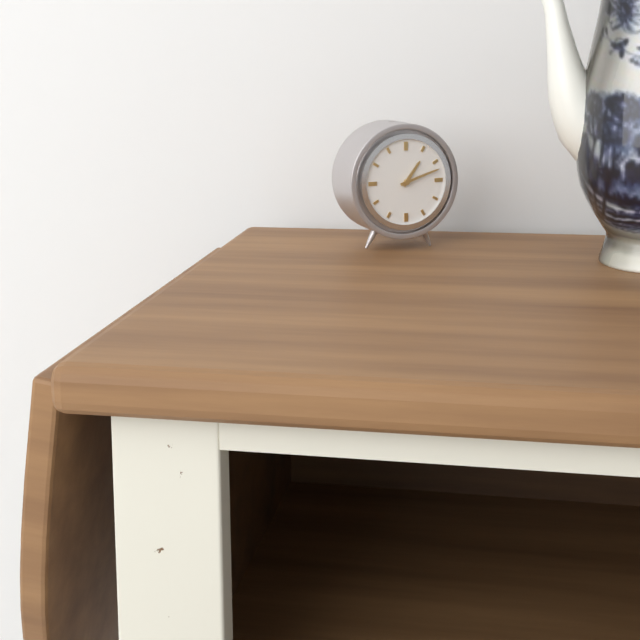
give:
1.12
